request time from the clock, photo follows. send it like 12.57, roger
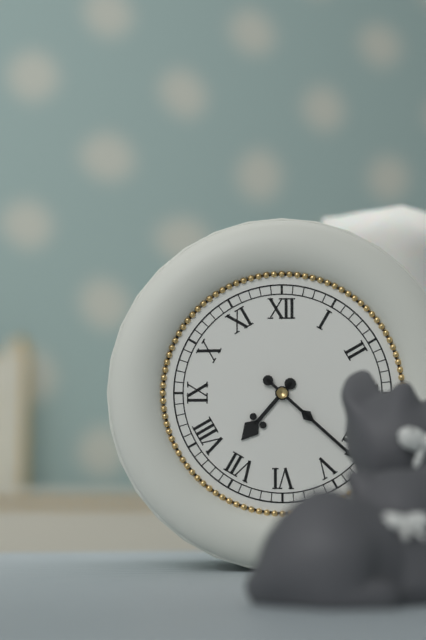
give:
7.22
